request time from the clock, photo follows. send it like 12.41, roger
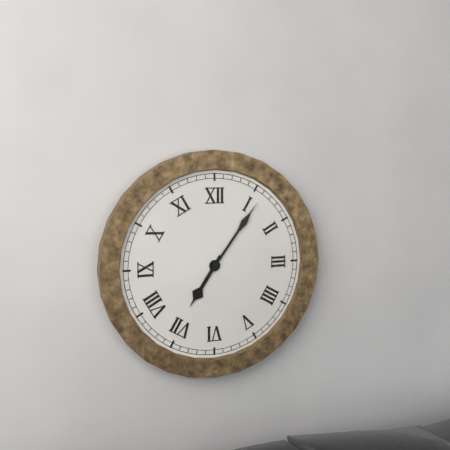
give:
7.06
